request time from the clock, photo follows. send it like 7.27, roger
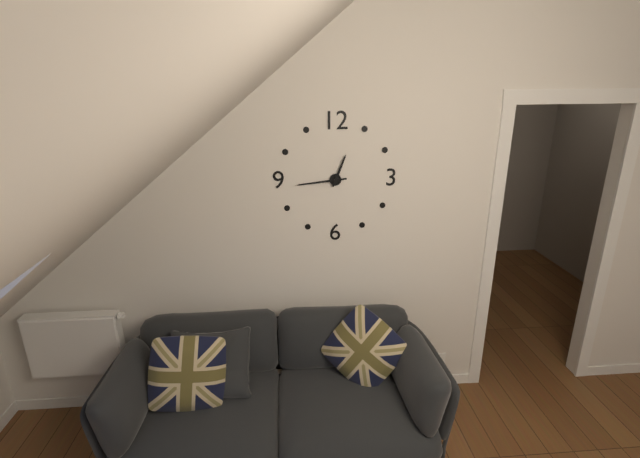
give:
12.44
